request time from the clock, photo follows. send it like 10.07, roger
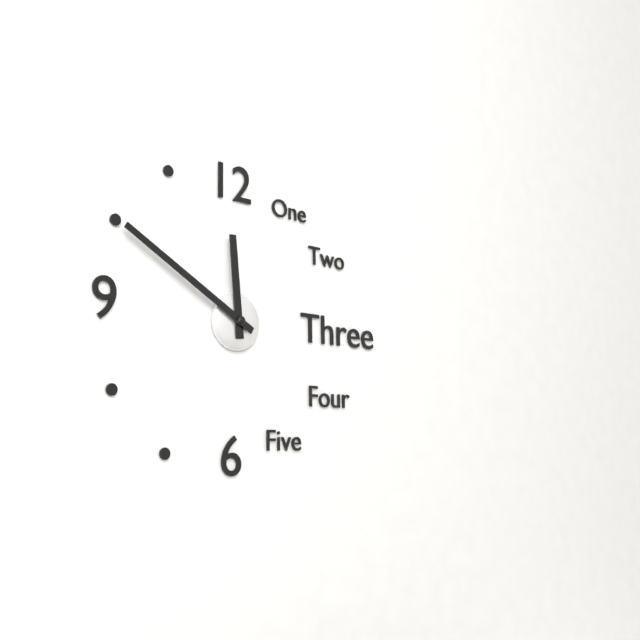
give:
11.50
